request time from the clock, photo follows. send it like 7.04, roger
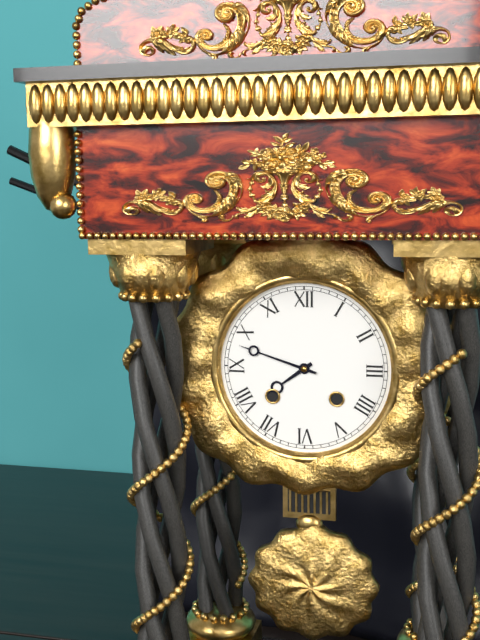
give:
7.48
